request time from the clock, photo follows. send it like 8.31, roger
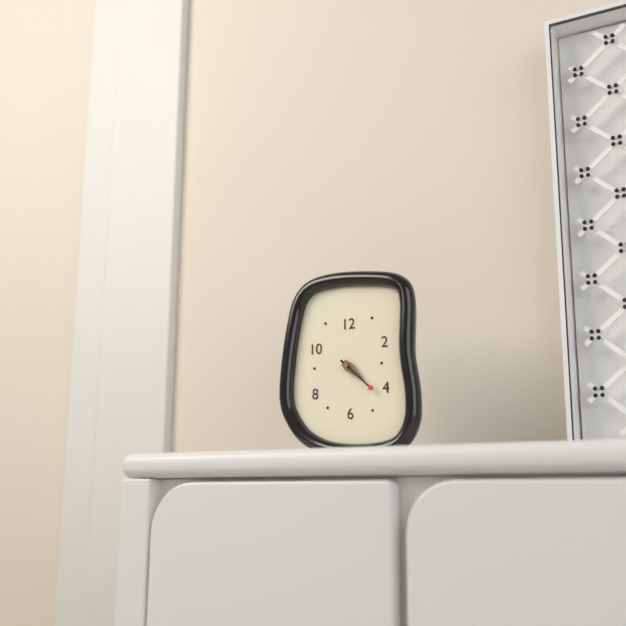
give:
4.22
